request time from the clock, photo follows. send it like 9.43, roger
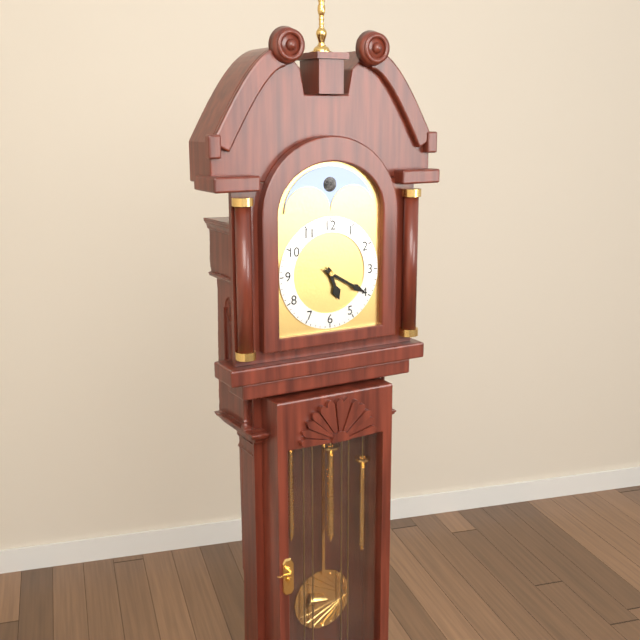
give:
5.20
